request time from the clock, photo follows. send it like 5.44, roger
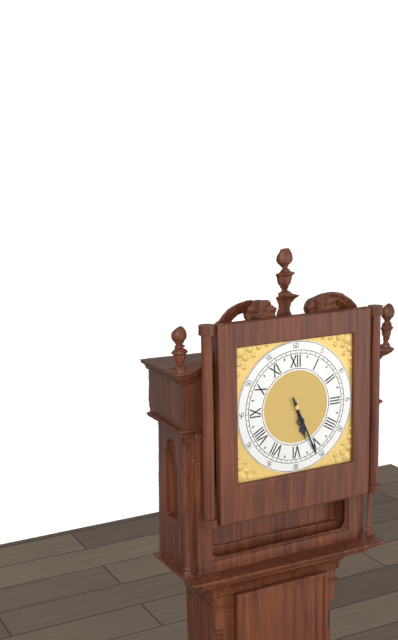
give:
5.26
